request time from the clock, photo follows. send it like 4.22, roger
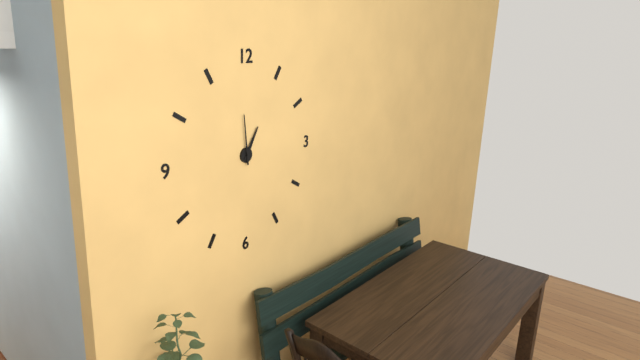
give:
12.59
